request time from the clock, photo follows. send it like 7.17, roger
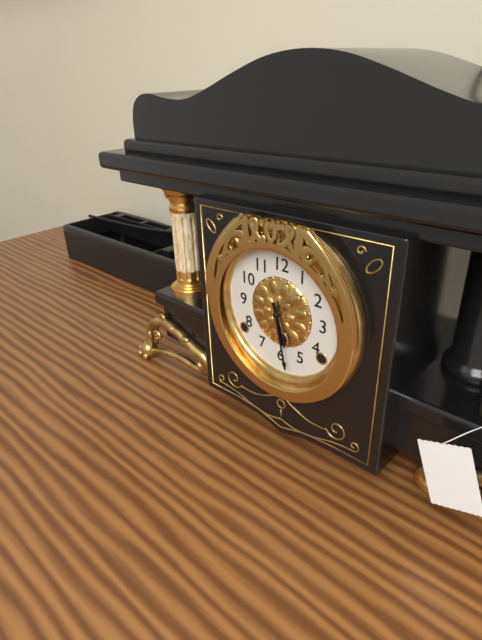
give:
5.28
